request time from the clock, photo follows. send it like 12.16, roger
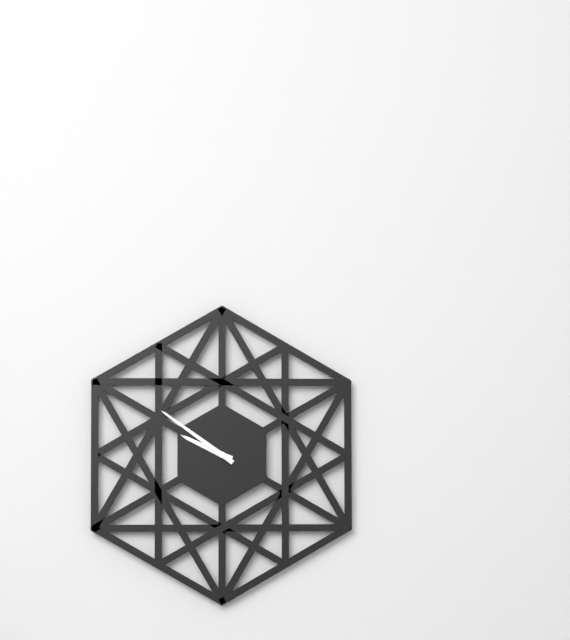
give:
9.51
